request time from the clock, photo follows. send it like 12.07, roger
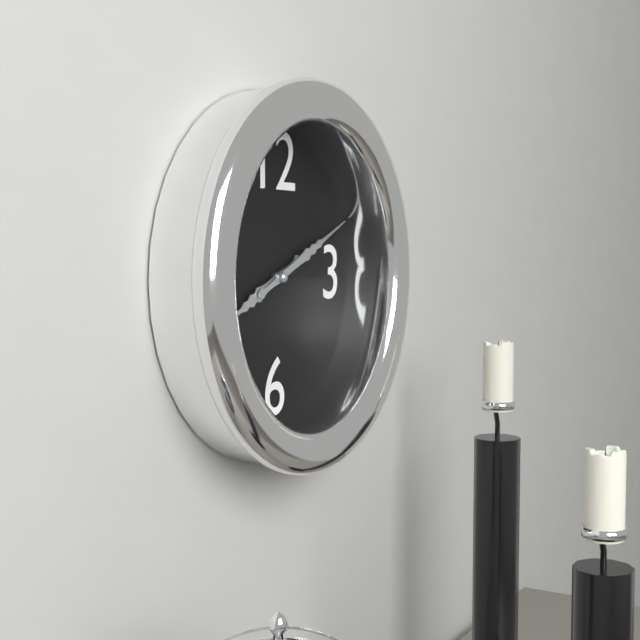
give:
8.11
